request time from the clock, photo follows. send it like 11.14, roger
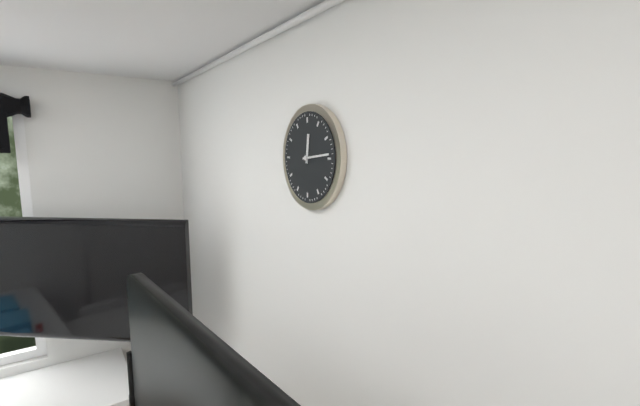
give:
12.14
